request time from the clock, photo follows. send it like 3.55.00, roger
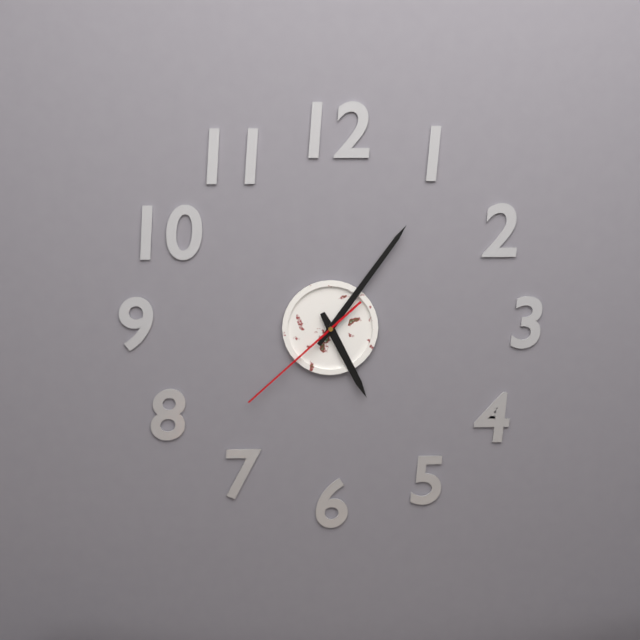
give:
5.06.38
